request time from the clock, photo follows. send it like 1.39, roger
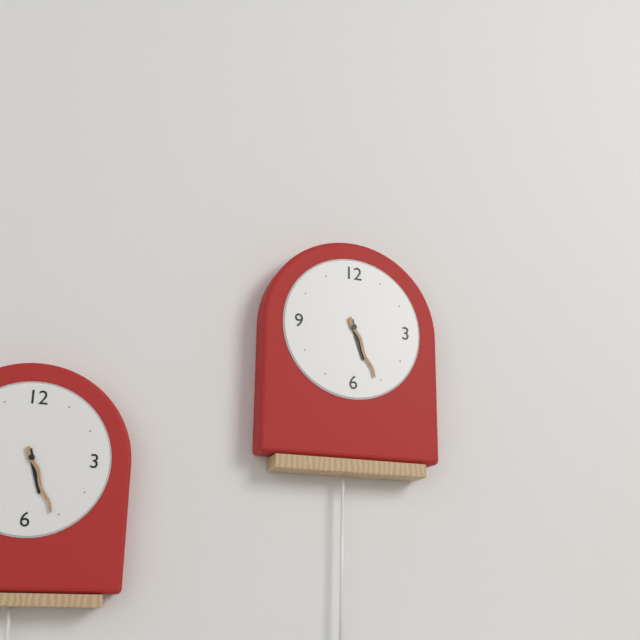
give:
5.26
